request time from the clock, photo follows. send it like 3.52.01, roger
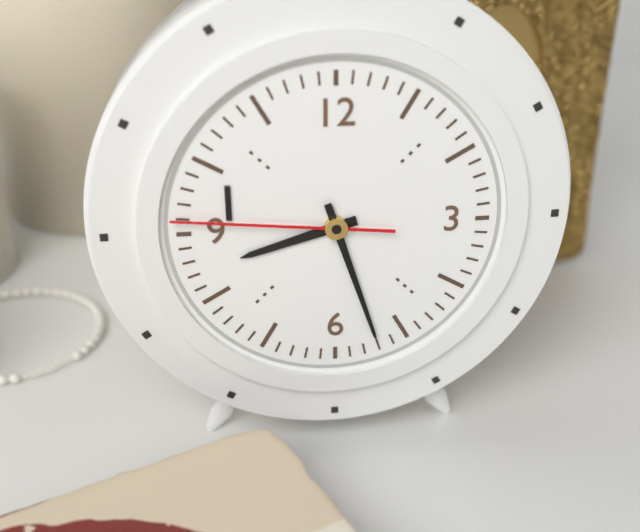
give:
8.27.46
